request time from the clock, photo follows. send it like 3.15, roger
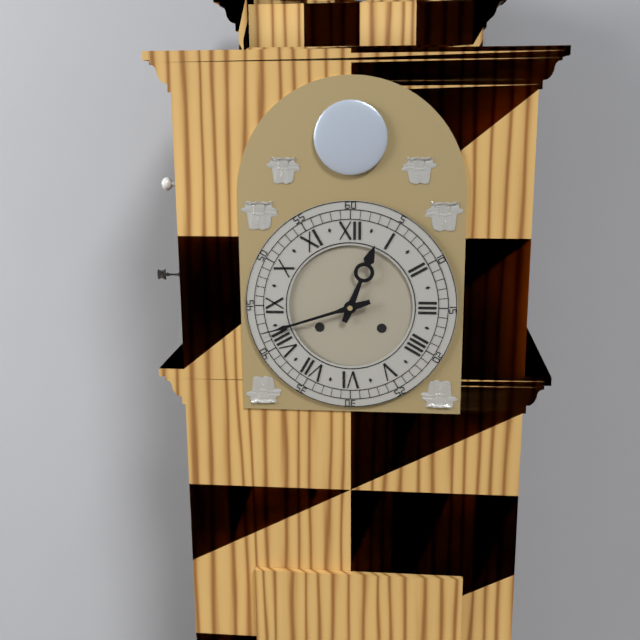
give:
12.42
